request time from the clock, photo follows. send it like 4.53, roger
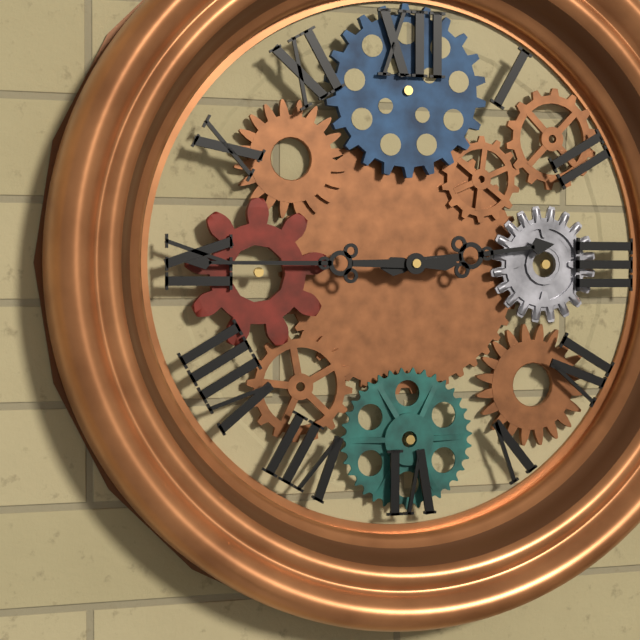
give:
2.45
